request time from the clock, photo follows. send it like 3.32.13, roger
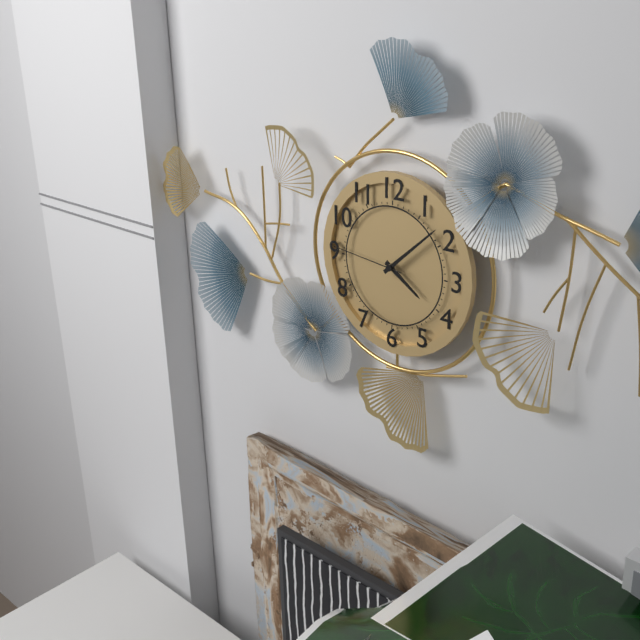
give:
4.08.46
